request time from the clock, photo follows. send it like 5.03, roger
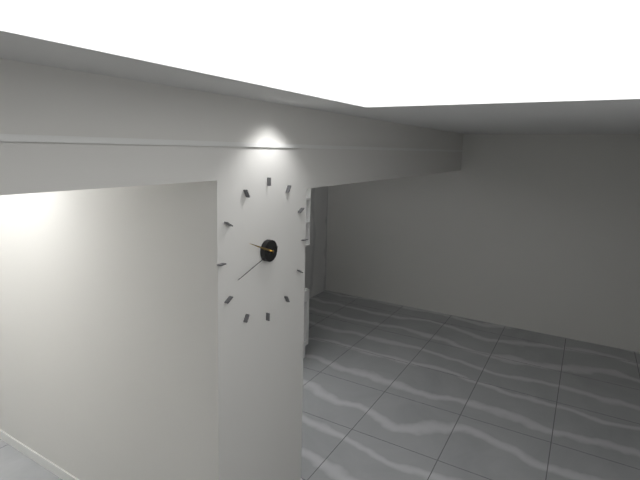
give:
9.42
